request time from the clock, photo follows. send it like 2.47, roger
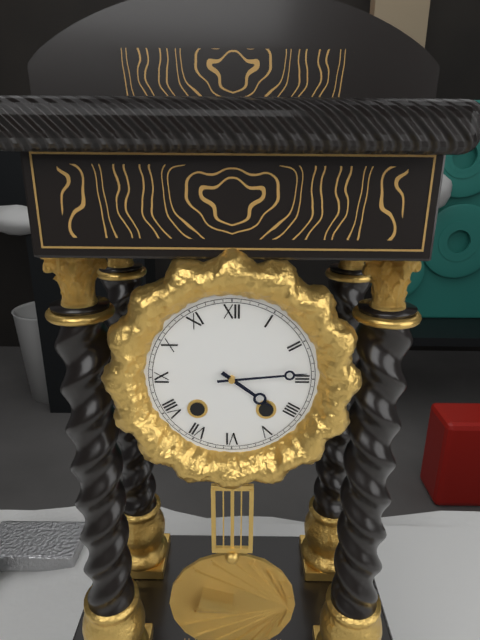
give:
4.14
